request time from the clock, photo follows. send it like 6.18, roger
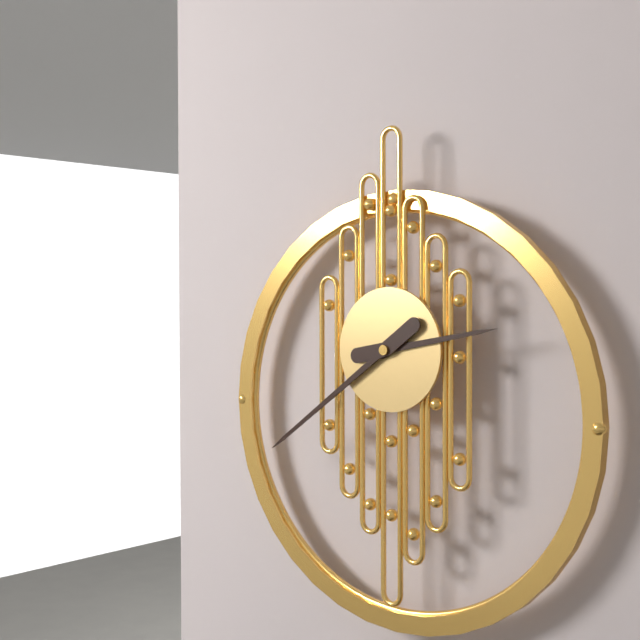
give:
2.39
